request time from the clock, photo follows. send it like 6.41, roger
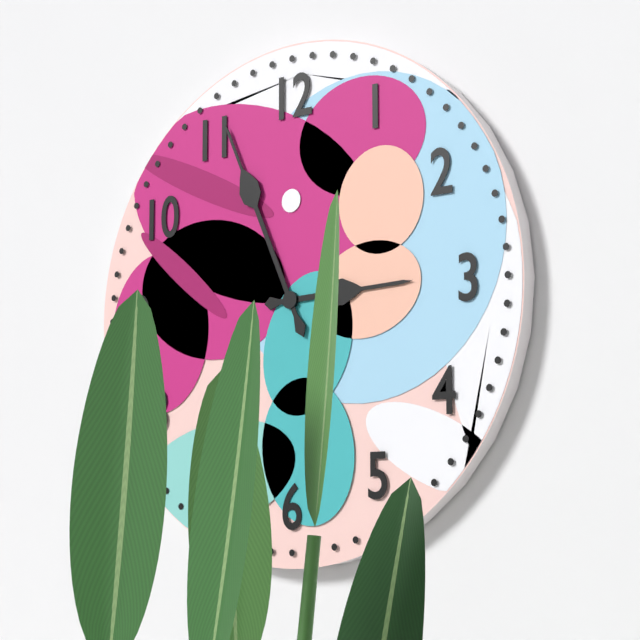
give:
2.56
